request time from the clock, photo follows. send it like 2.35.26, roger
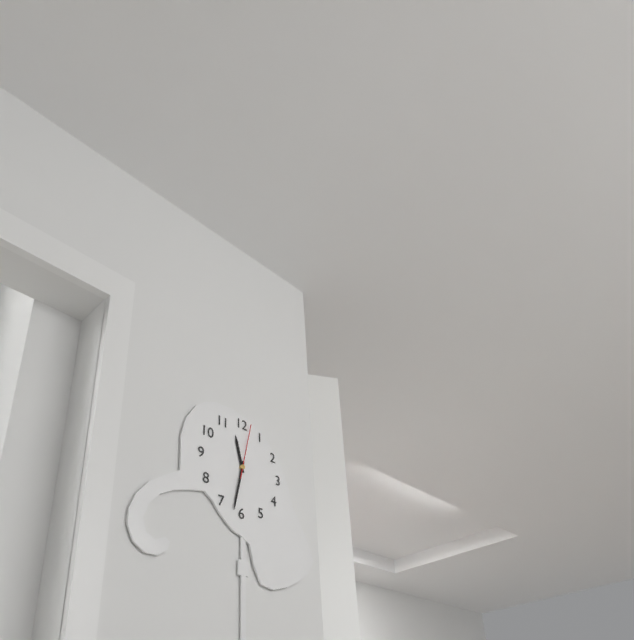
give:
11.32.02
